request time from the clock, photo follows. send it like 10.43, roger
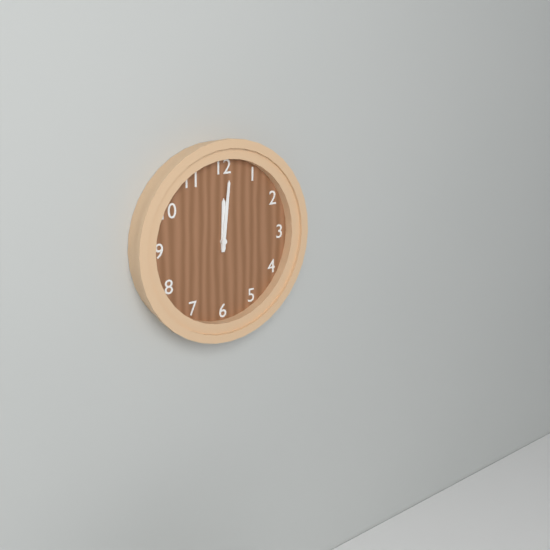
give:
12.01
